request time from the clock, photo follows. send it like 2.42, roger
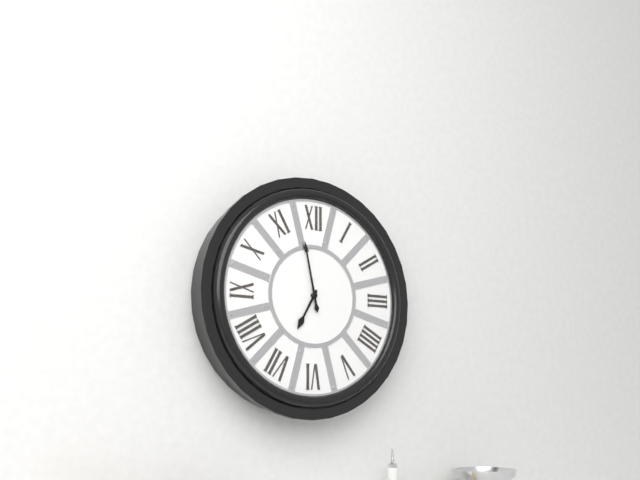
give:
6.58
